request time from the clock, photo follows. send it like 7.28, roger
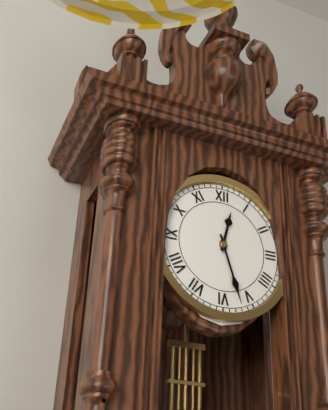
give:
12.27
